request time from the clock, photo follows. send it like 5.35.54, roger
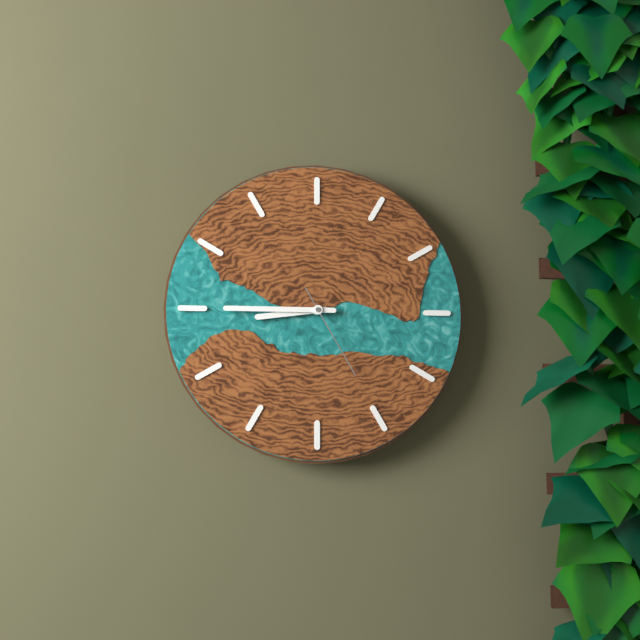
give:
8.45.25
